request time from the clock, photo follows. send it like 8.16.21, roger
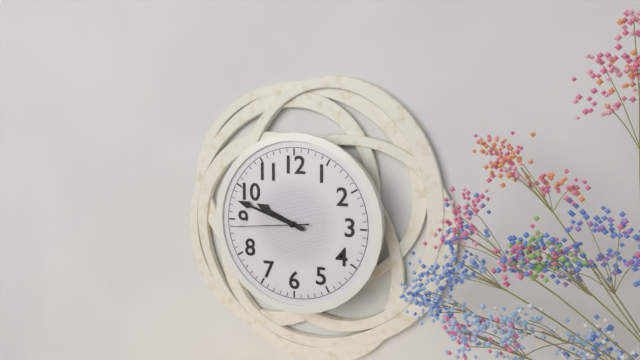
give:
9.48.44
